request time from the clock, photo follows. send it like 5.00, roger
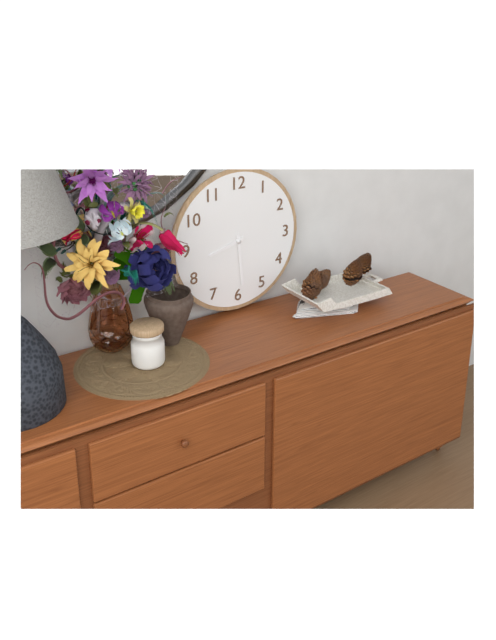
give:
8.29
